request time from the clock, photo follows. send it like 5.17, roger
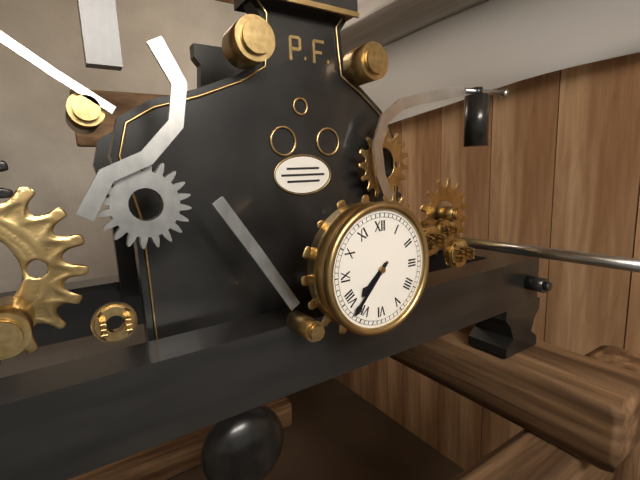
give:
7.37
